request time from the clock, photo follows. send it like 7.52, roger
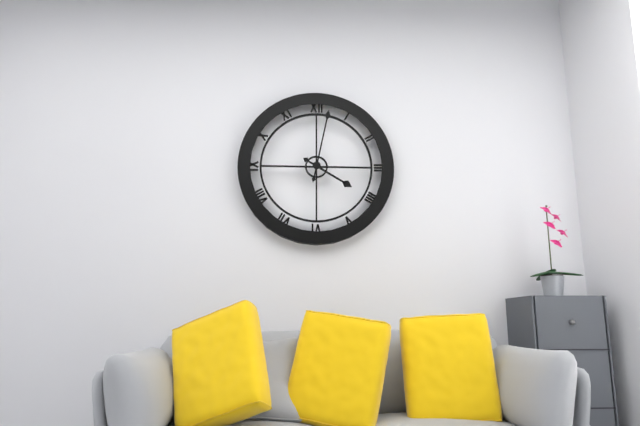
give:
4.02
